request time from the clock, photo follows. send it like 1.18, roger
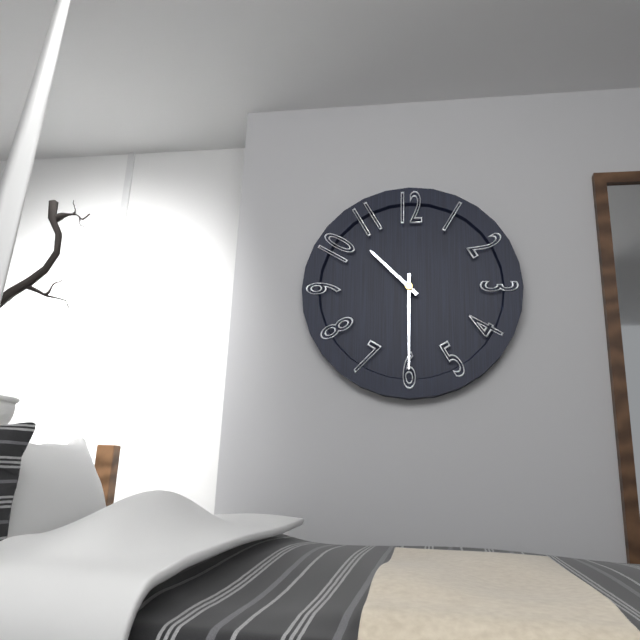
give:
10.30
